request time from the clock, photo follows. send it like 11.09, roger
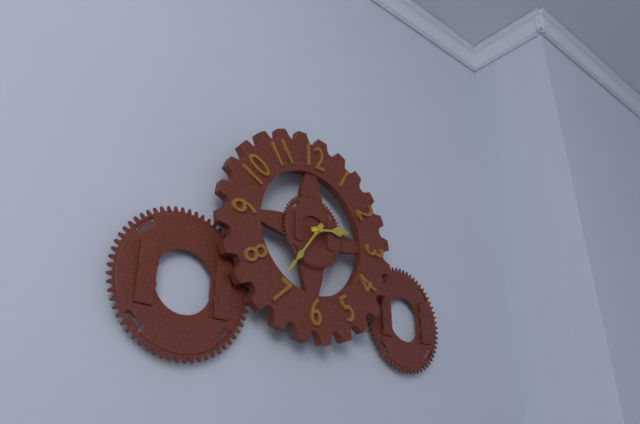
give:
2.36
